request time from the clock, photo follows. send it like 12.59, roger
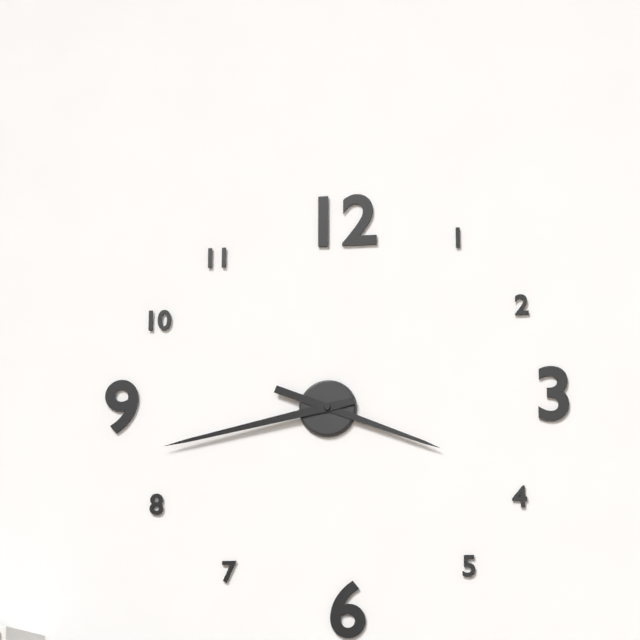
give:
3.43
